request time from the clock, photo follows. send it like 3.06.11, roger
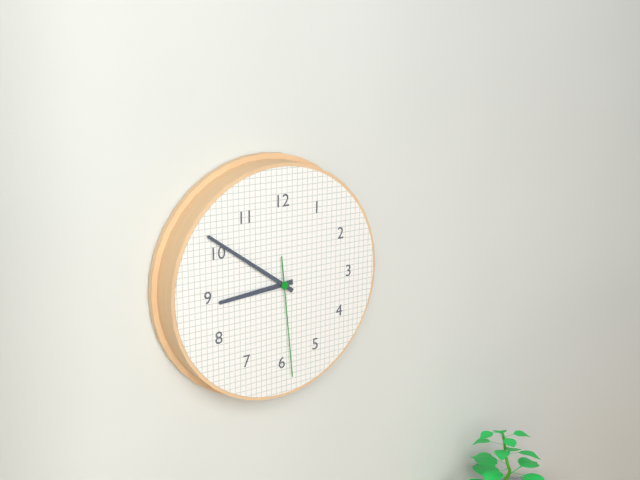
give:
8.51.29
